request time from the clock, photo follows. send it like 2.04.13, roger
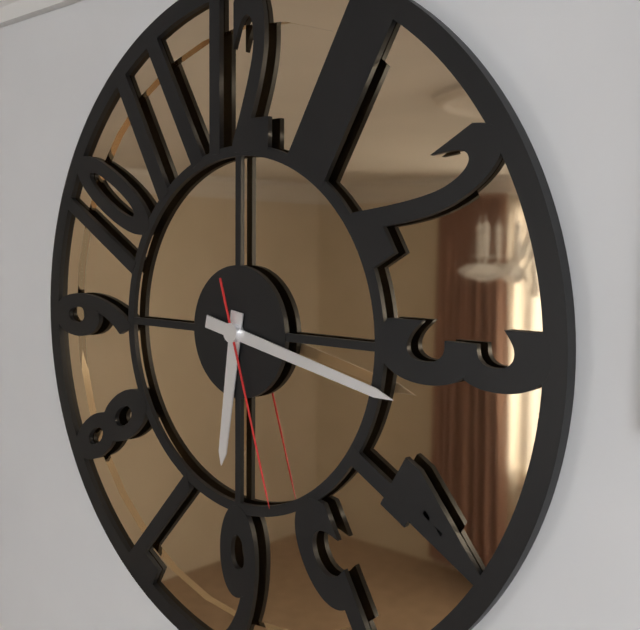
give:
6.17.27
